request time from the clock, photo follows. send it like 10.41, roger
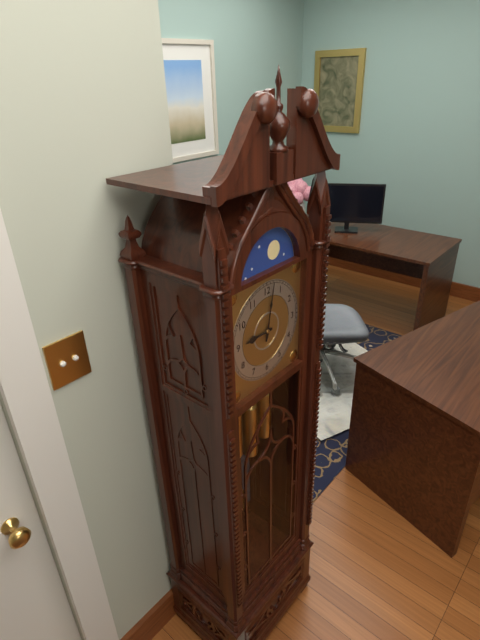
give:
9.02
